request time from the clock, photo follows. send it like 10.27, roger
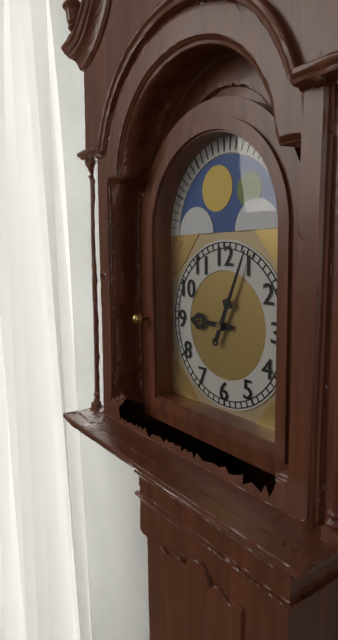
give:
9.04
